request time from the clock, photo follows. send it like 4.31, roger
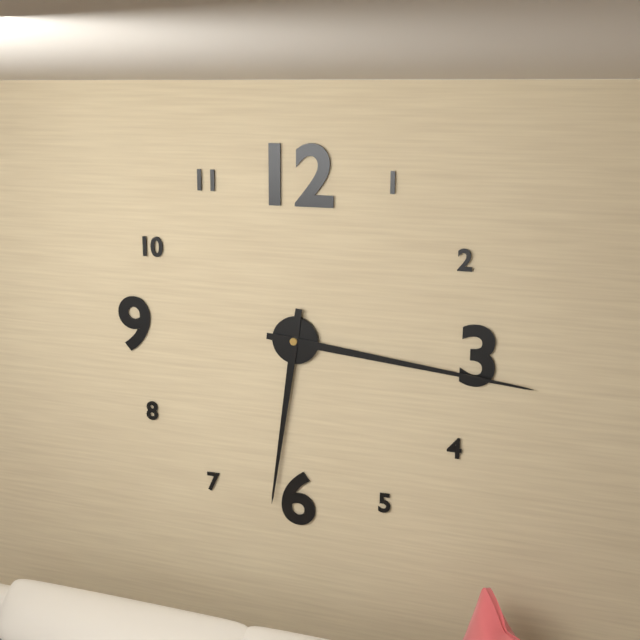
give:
6.16
